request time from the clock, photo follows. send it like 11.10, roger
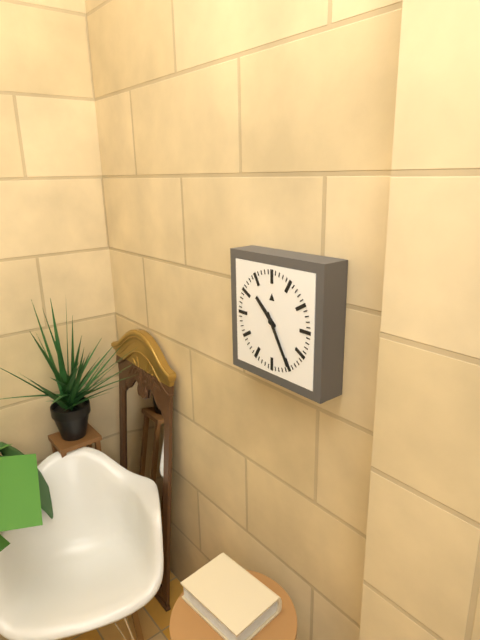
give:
10.25
